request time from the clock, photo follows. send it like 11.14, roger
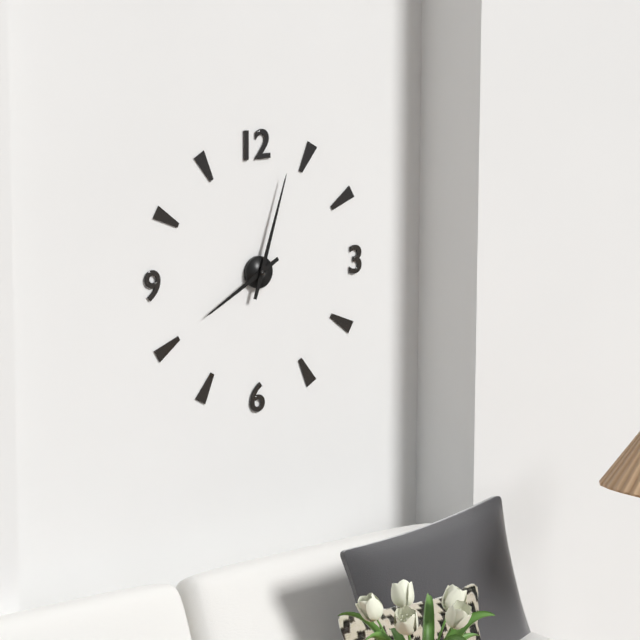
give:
8.03
